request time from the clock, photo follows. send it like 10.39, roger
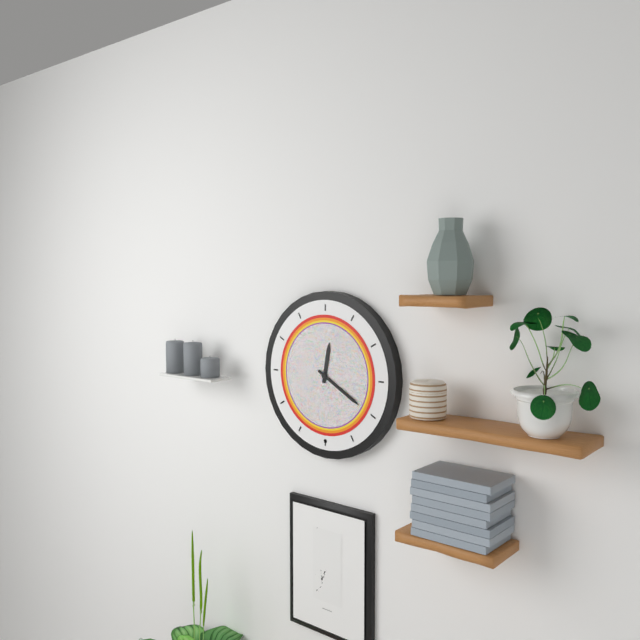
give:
12.20
